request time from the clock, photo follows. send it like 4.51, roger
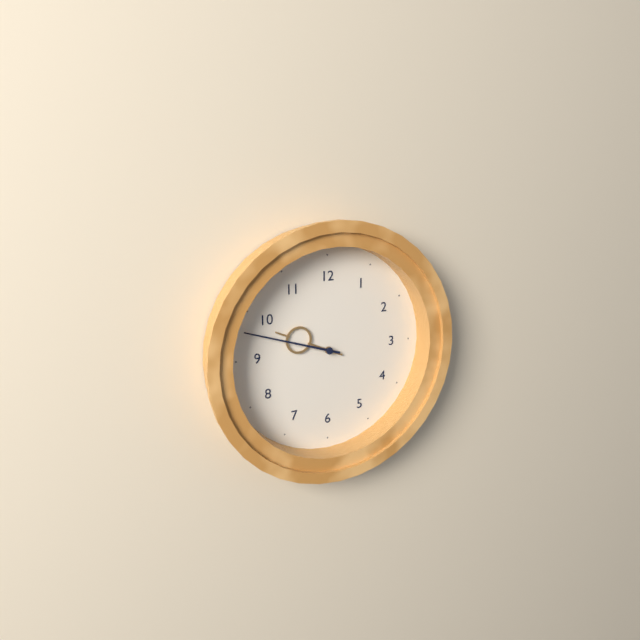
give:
9.48
